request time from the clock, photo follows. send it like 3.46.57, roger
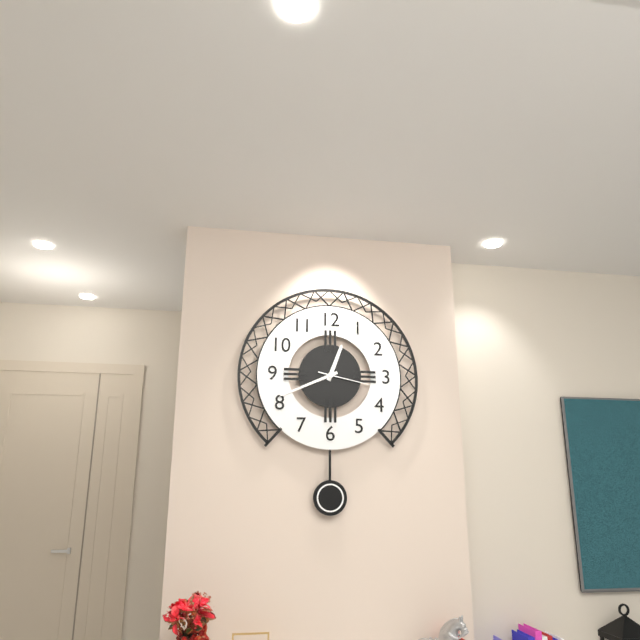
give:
12.41.17
